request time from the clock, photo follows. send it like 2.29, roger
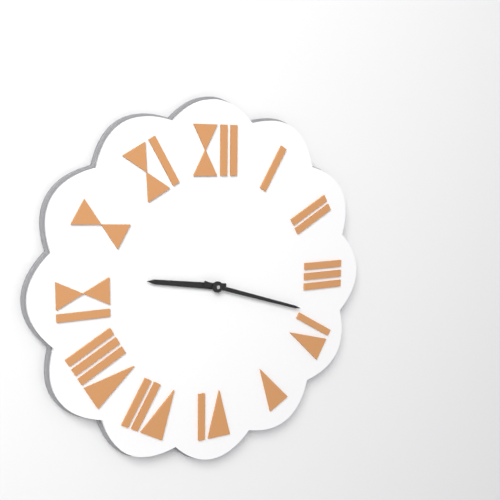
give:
9.18
